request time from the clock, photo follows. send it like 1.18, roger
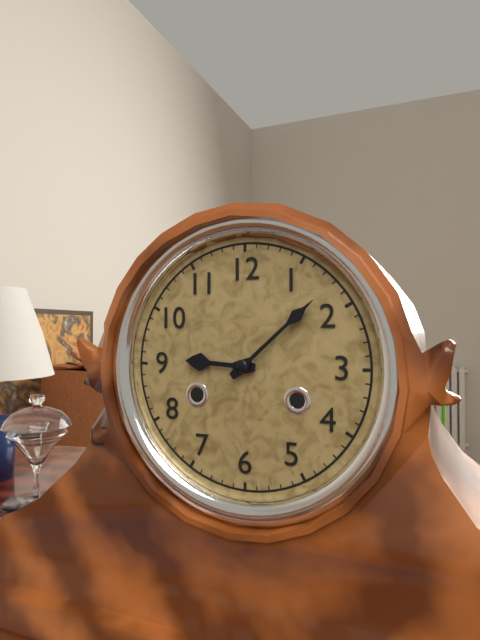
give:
9.08
